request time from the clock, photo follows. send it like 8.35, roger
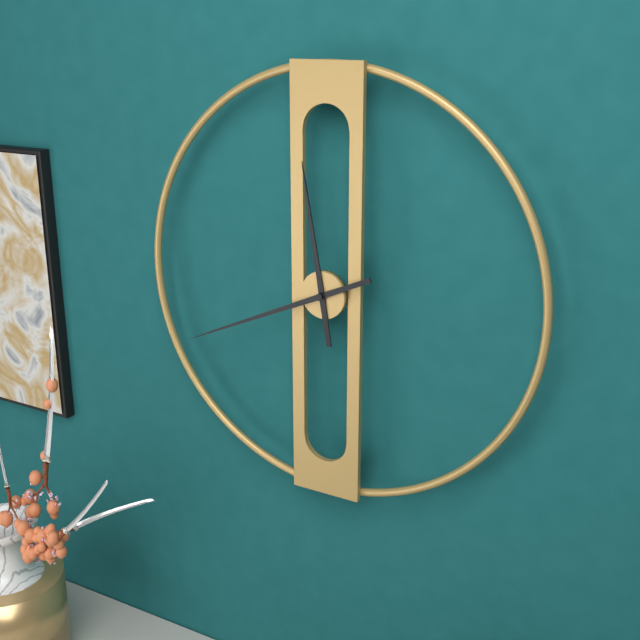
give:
11.41
